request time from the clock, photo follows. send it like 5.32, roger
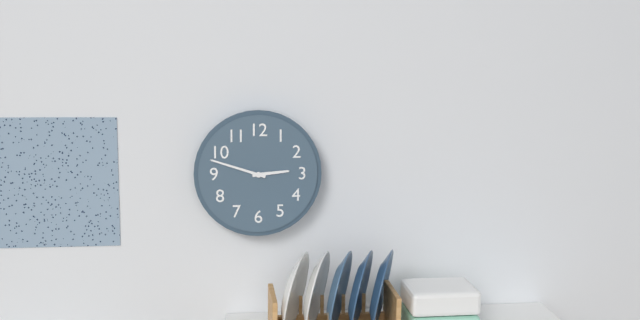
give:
2.48
